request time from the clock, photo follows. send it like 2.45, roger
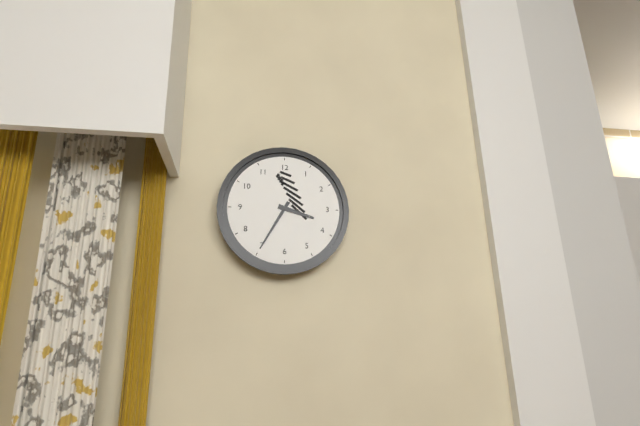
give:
3.35
